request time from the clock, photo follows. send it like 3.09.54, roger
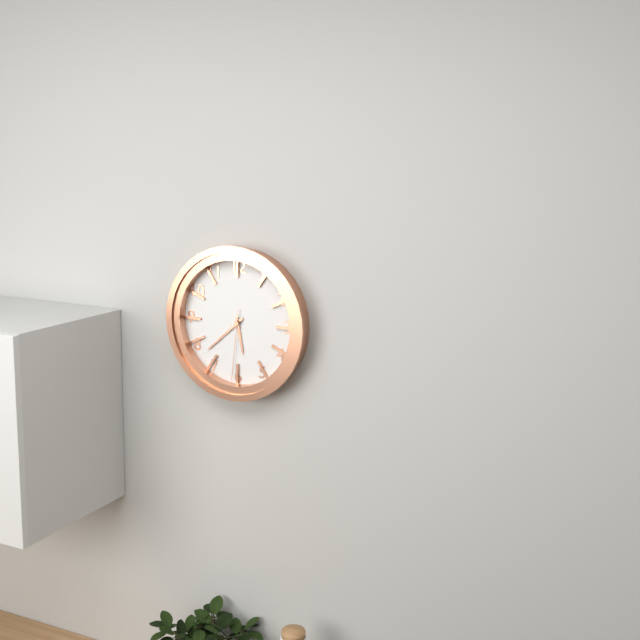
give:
5.38.31
